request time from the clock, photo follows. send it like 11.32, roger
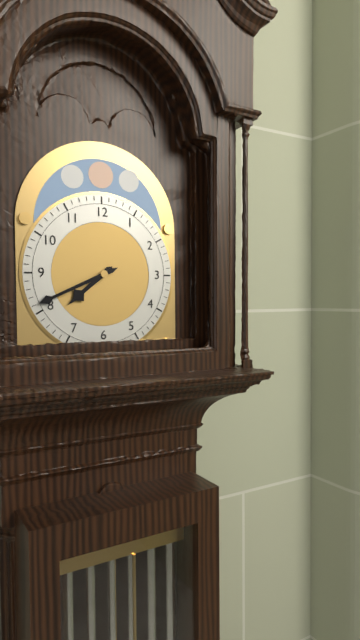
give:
7.41
